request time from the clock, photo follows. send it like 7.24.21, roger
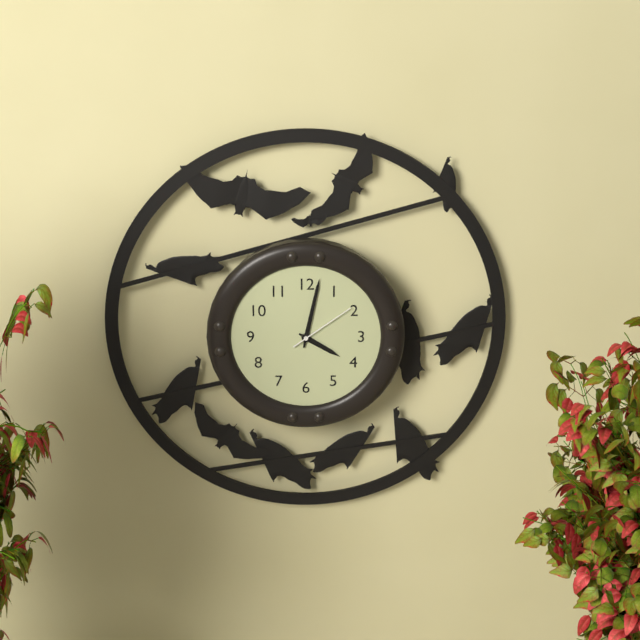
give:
4.02.09
